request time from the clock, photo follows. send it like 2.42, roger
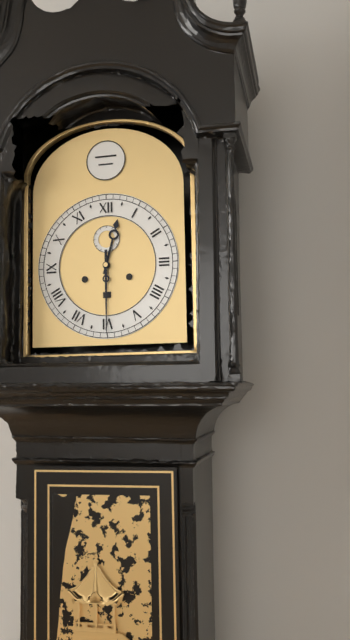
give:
12.30
